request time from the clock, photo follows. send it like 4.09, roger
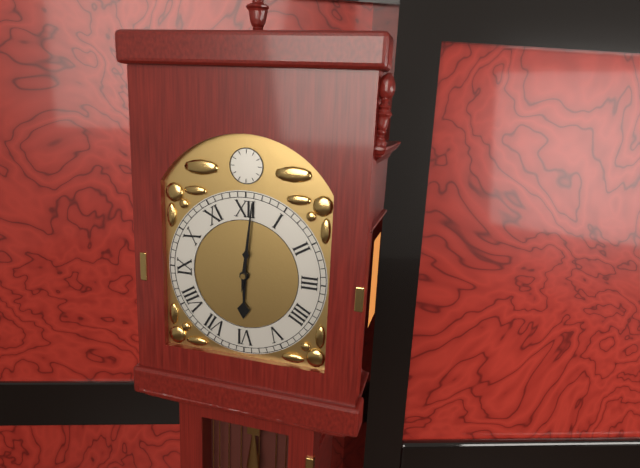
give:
6.01
